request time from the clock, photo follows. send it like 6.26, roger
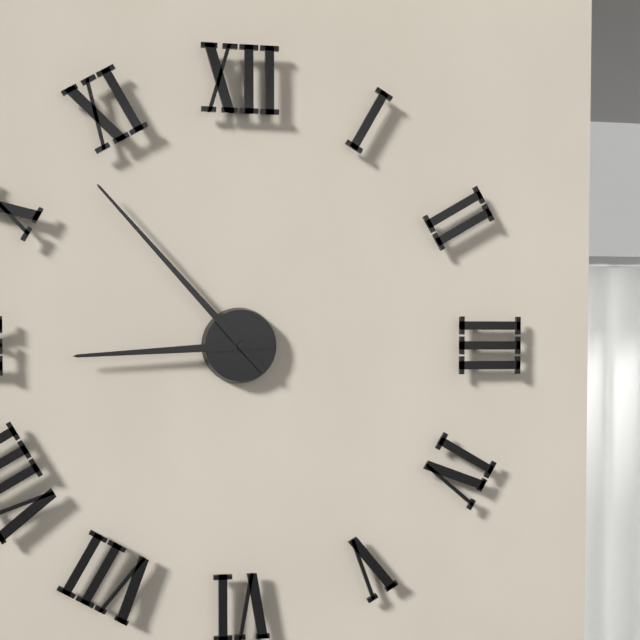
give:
8.53
